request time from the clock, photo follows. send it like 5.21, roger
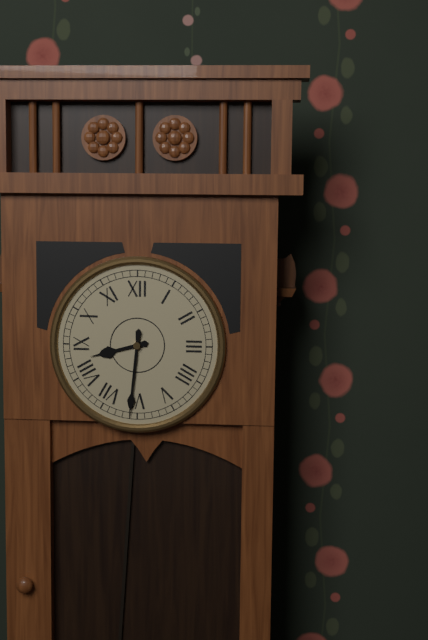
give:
8.31
